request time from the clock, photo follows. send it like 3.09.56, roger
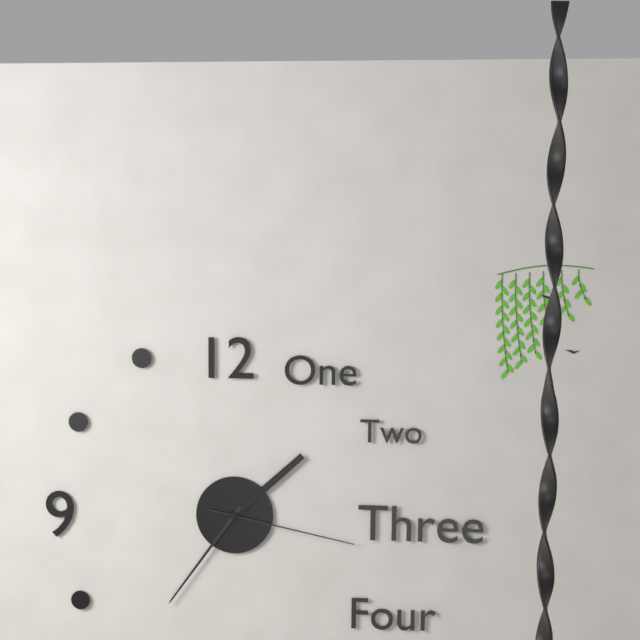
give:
1.36.17
